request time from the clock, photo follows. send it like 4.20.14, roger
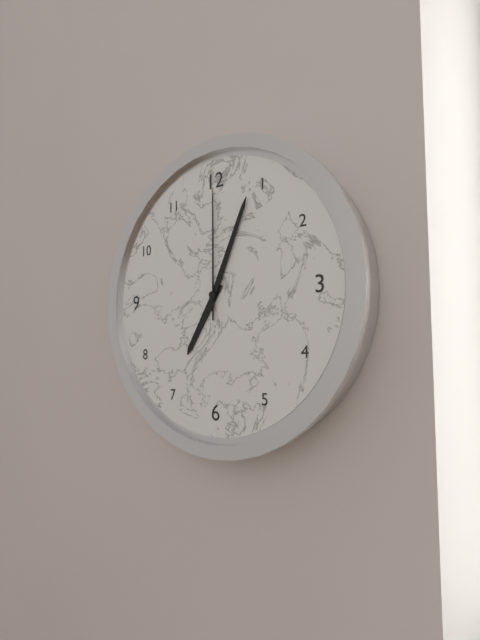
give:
7.04.00
